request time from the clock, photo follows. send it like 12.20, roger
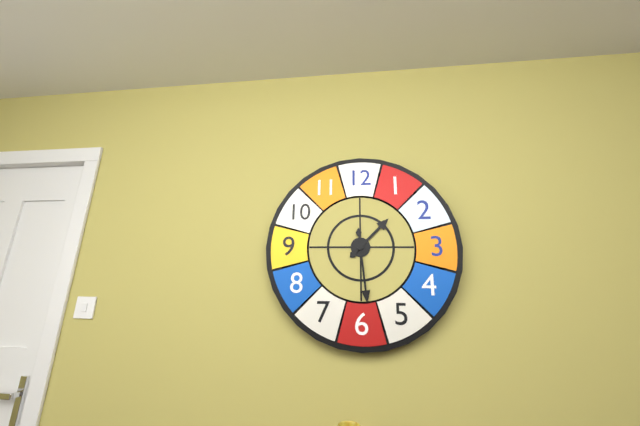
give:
1.29
